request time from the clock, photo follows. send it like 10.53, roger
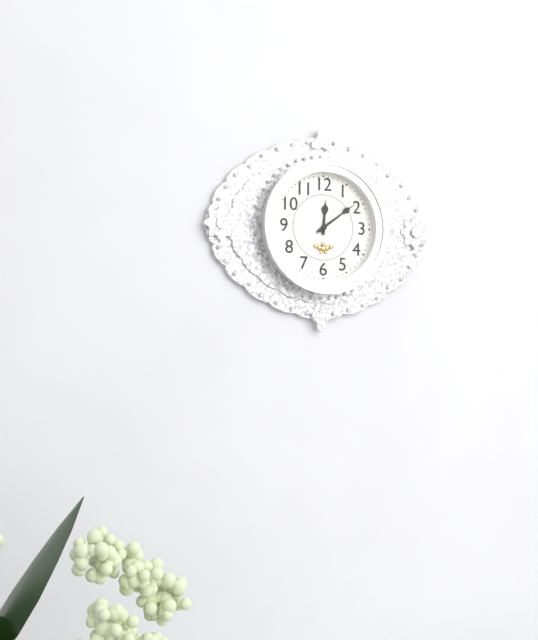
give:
12.09
